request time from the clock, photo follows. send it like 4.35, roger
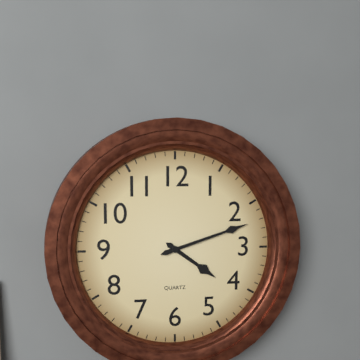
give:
4.12
